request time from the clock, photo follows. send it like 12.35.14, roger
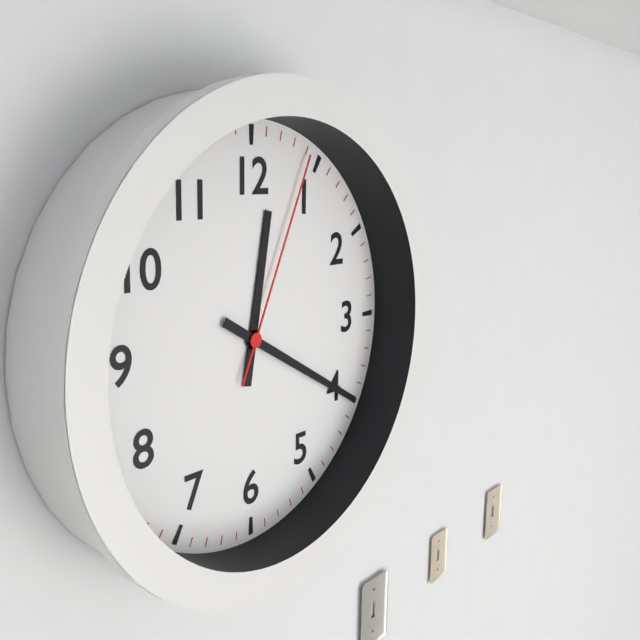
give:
12.20.04
